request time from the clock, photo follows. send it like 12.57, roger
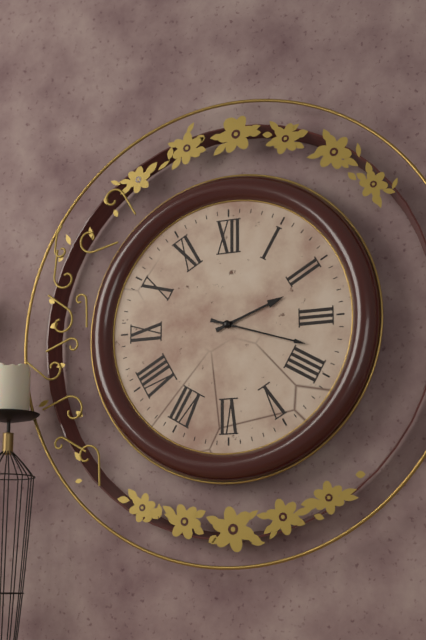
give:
2.18
